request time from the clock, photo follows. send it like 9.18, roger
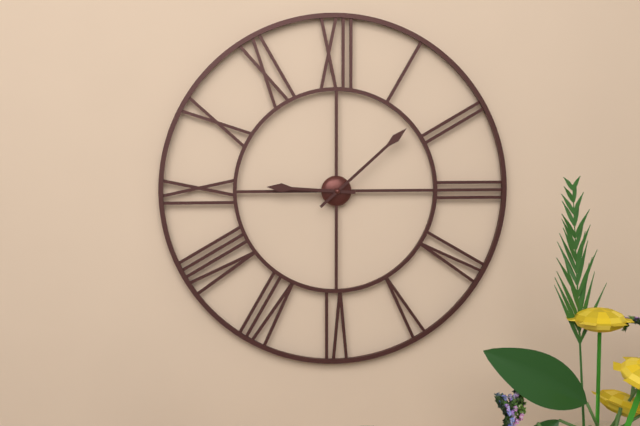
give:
9.08
